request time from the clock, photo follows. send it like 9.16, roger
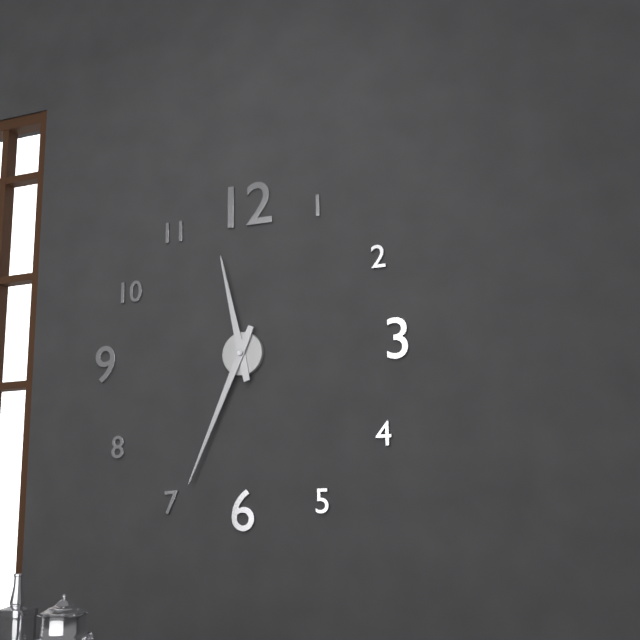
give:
11.34
